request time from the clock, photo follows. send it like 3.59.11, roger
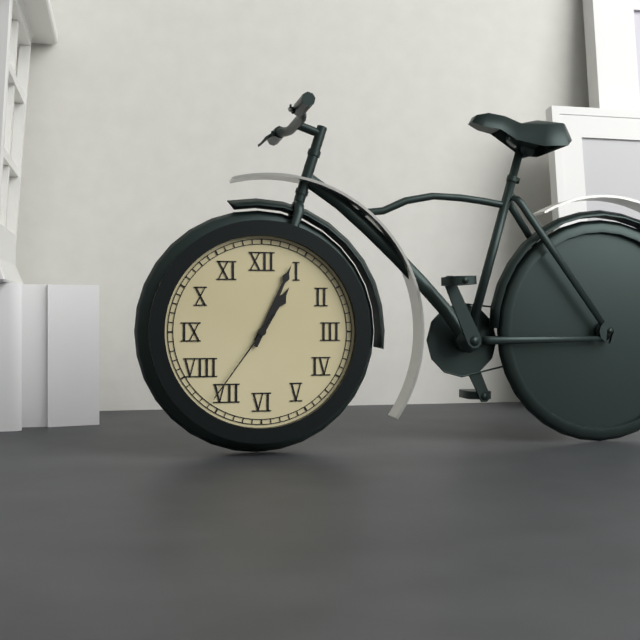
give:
1.04.36
